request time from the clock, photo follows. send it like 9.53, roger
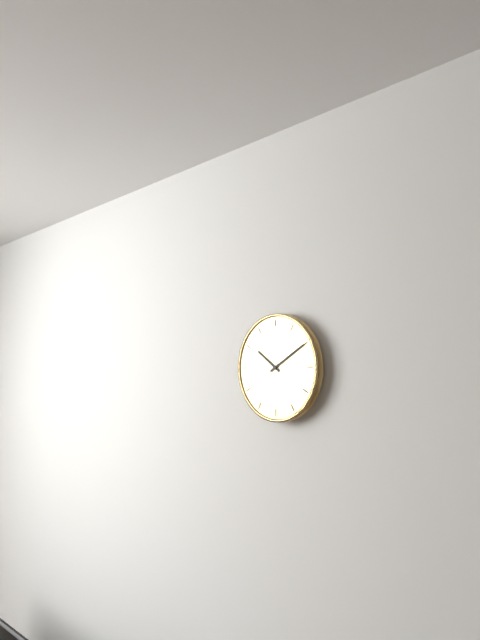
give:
10.10
